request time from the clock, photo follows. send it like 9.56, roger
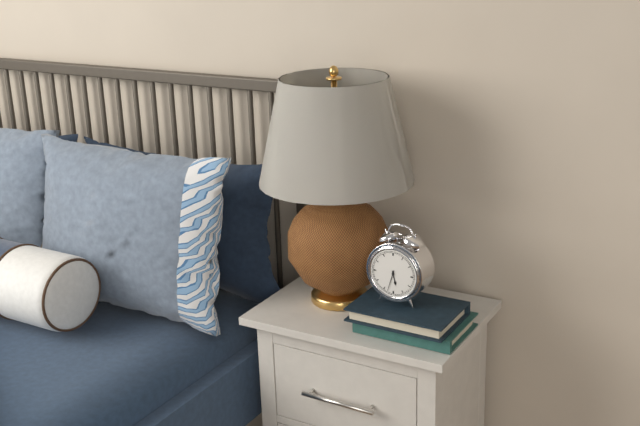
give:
5.33
